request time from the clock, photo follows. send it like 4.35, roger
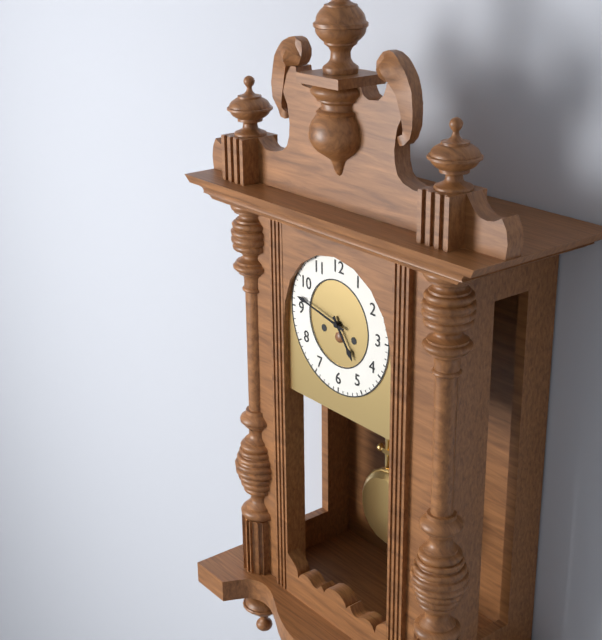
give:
4.47
